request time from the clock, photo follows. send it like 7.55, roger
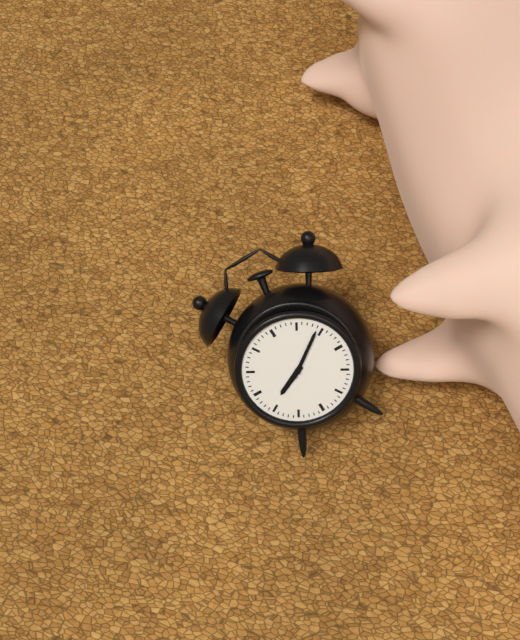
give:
8.09
